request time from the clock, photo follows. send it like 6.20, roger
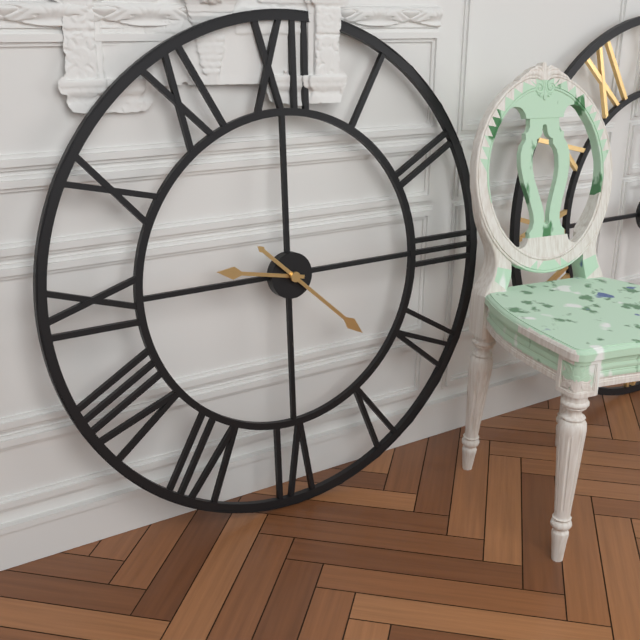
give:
9.22
